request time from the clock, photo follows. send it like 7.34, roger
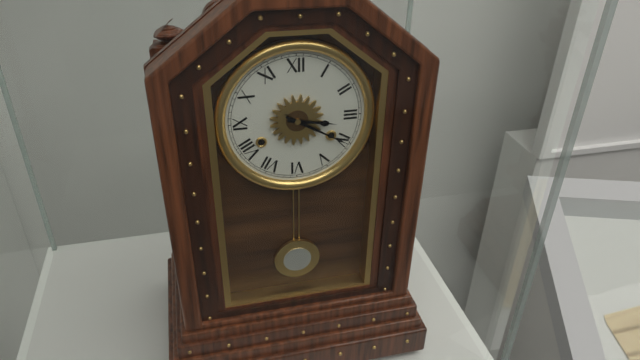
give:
3.20
